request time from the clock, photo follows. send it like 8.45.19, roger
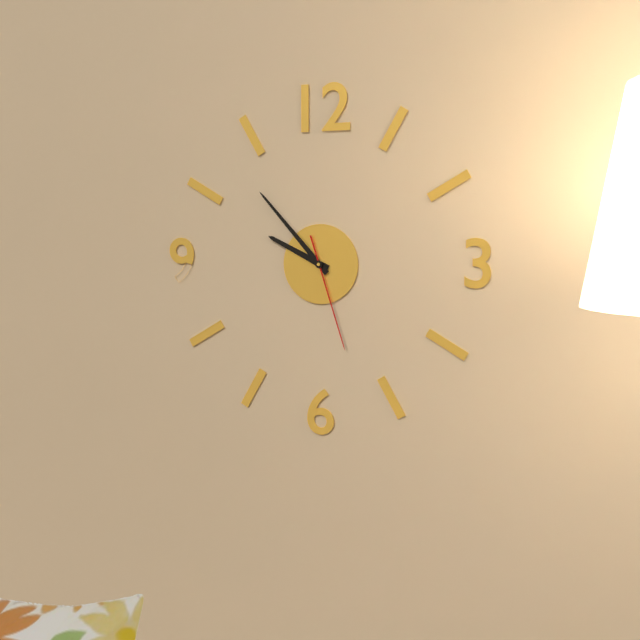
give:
9.53.27
